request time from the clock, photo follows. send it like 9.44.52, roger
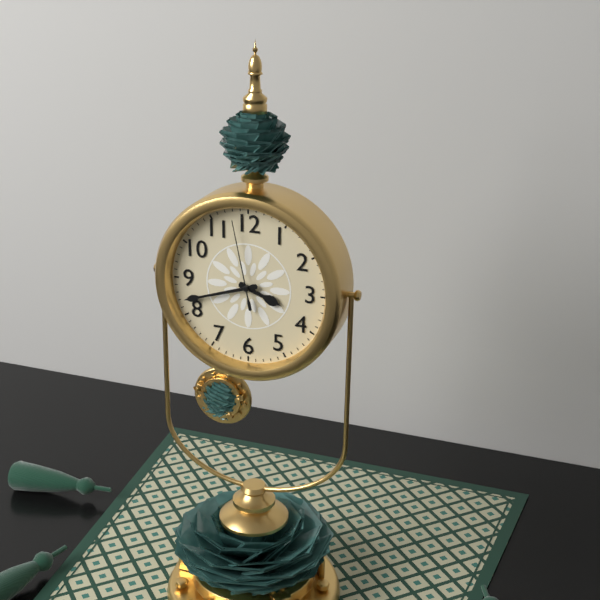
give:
3.42.58
